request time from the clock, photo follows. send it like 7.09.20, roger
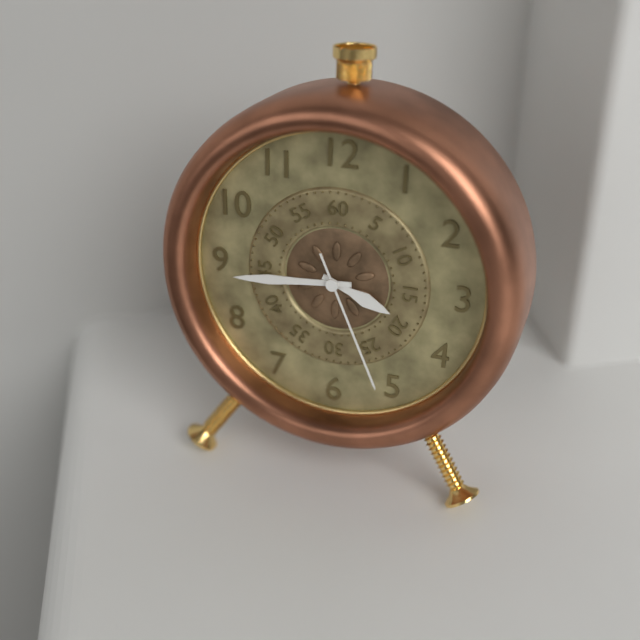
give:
3.44.26
